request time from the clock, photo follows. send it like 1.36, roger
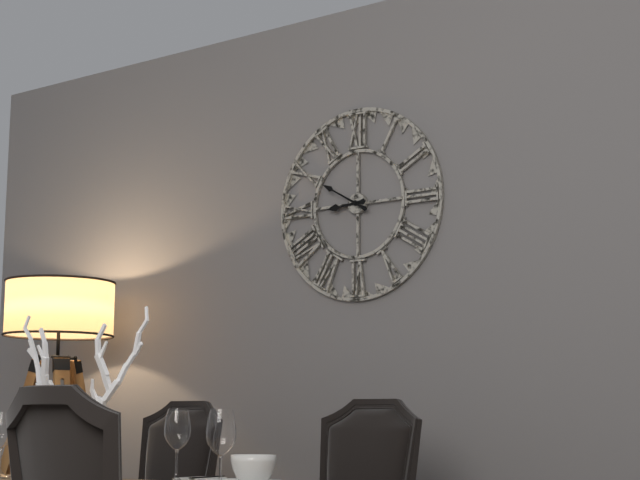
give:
8.50
